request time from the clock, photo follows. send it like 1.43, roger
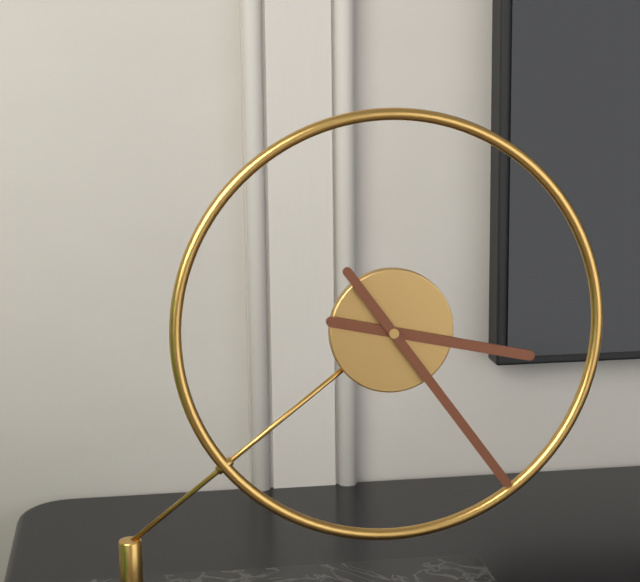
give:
3.24
